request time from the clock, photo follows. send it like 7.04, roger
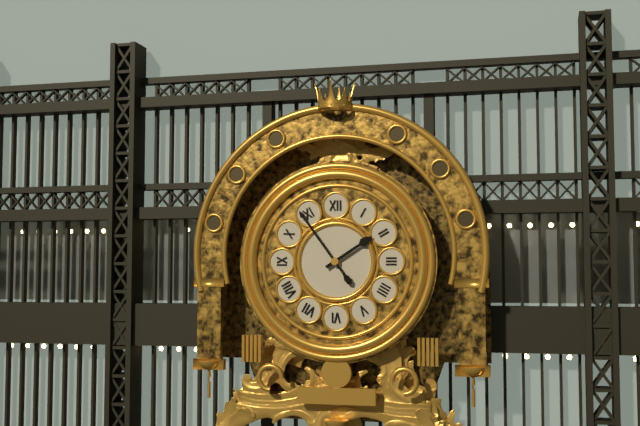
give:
1.54
